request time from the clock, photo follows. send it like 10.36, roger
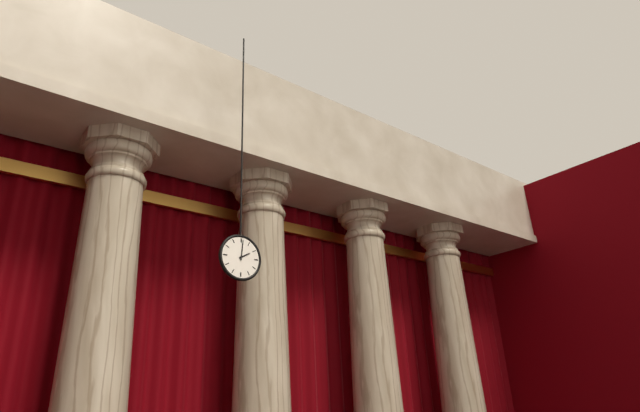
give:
2.01
